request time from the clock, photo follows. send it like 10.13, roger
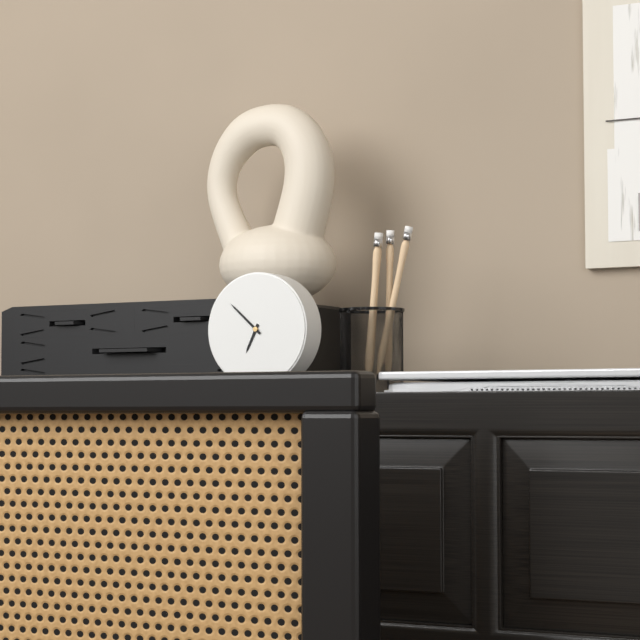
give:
6.52
